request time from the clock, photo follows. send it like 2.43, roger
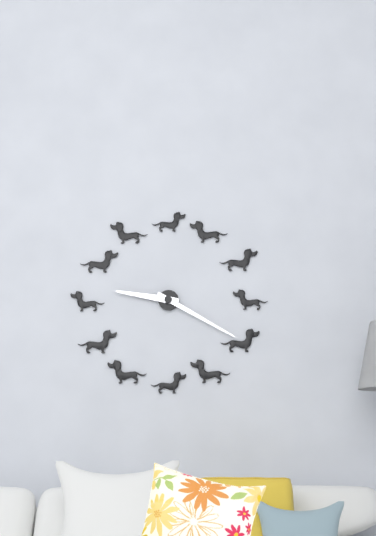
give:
9.20
